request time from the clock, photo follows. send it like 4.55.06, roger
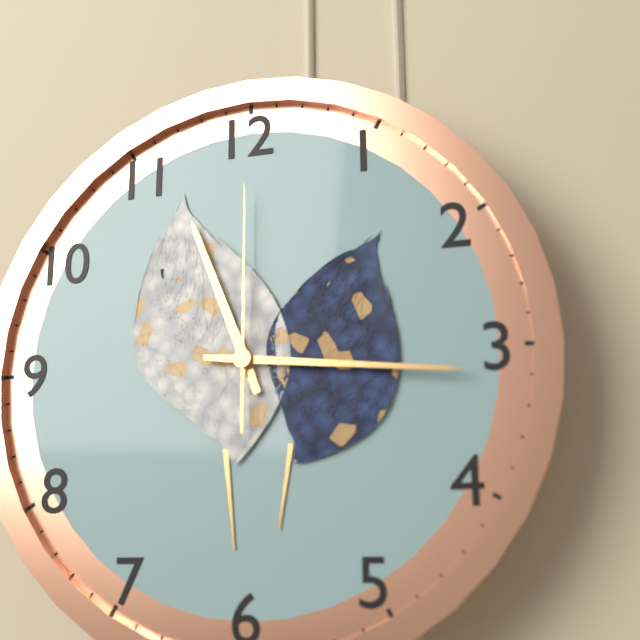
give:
11.16.00
